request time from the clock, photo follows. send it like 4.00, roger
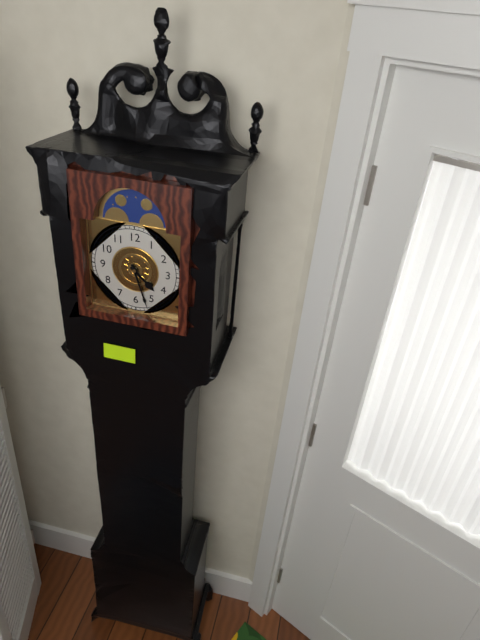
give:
4.27
